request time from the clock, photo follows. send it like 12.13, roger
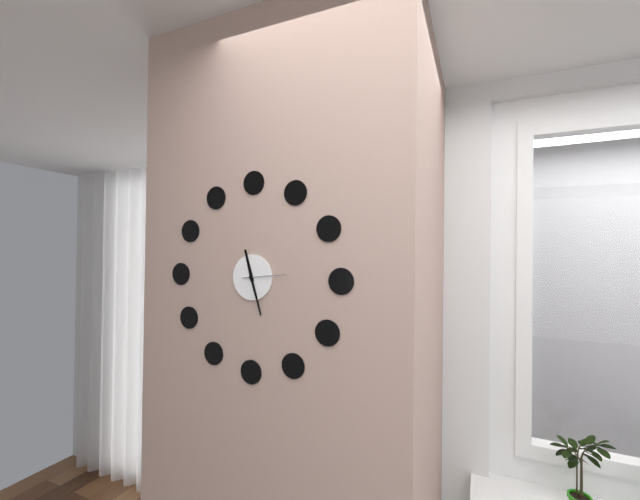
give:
11.27
